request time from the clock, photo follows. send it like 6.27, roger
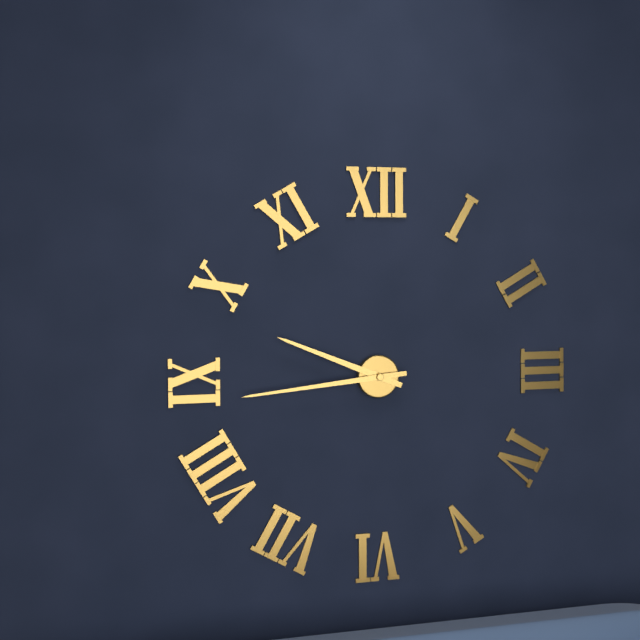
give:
9.44
